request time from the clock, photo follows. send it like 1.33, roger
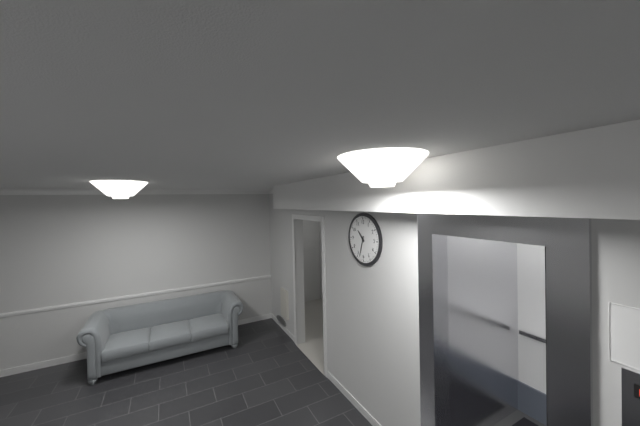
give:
10.33
